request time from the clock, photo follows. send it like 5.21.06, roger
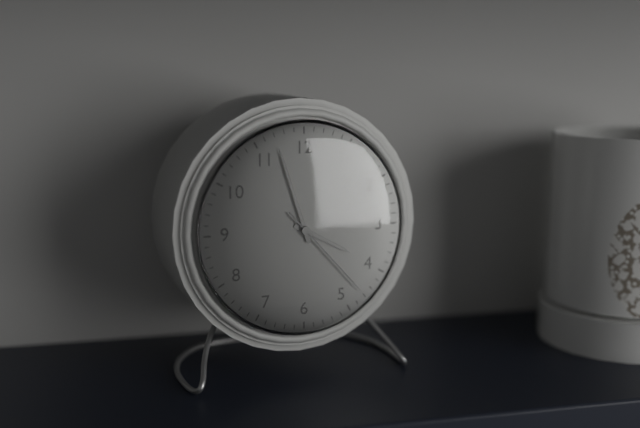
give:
3.57.23
